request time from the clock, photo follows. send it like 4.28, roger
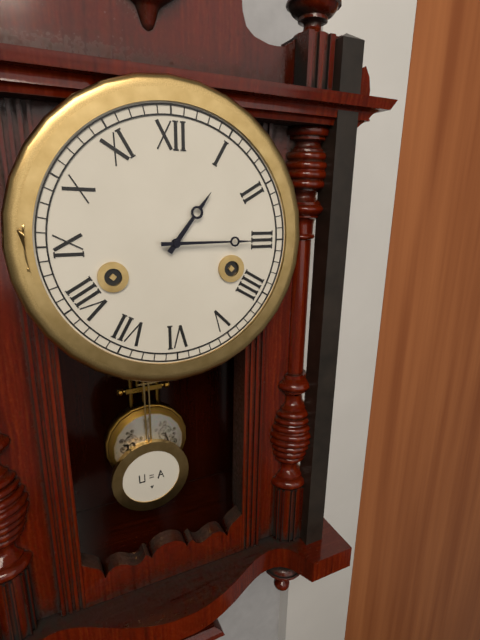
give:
1.15
